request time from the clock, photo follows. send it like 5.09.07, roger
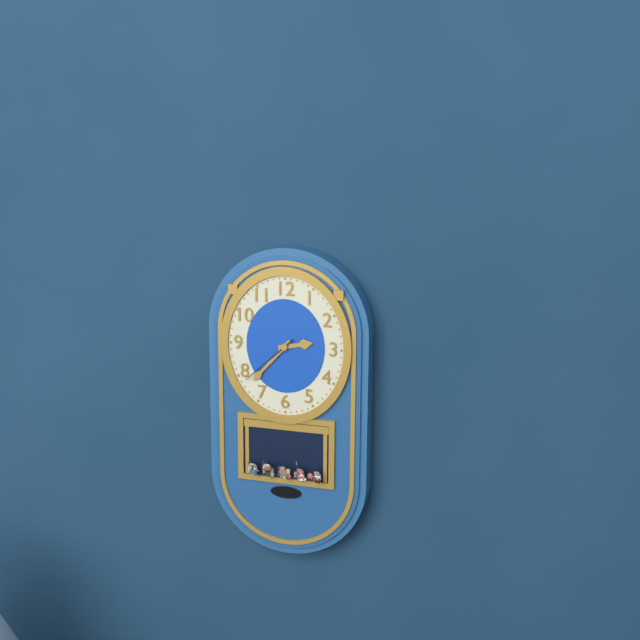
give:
2.37.38
